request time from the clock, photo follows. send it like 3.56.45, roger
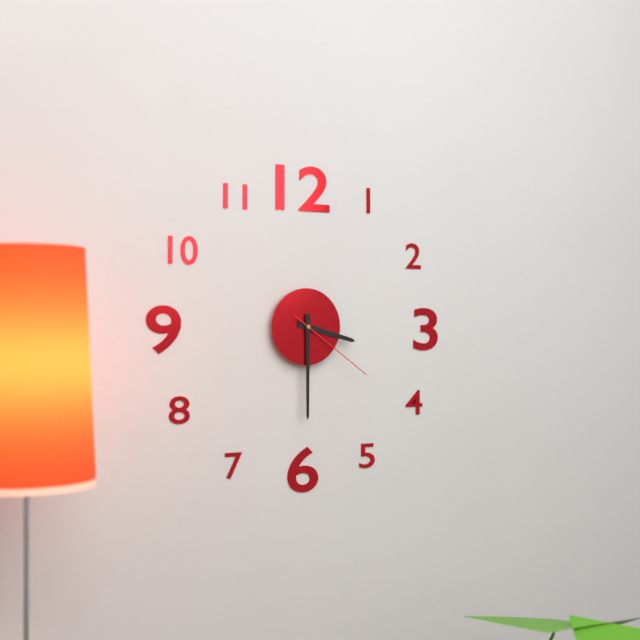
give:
3.30.21
